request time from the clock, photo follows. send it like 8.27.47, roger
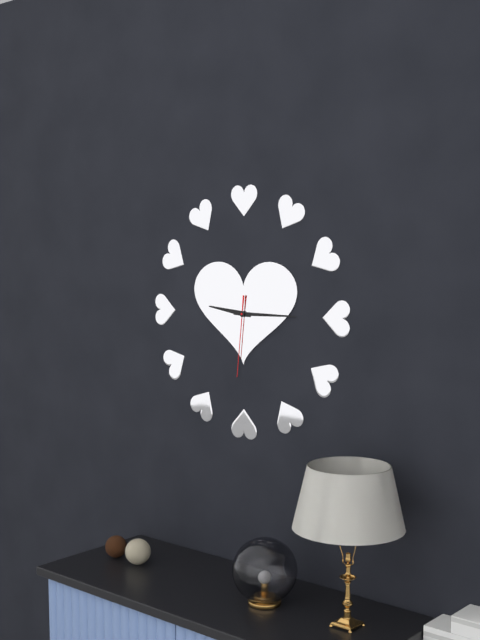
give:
9.15.31
